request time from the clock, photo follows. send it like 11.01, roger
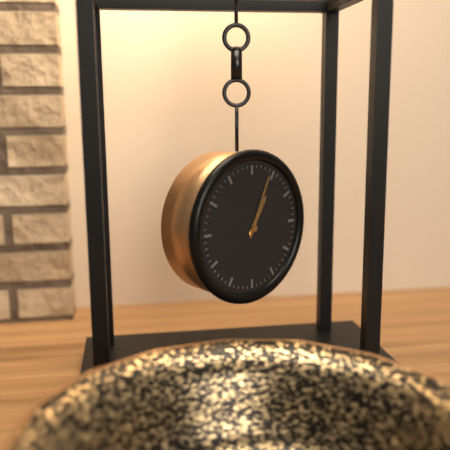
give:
1.04
